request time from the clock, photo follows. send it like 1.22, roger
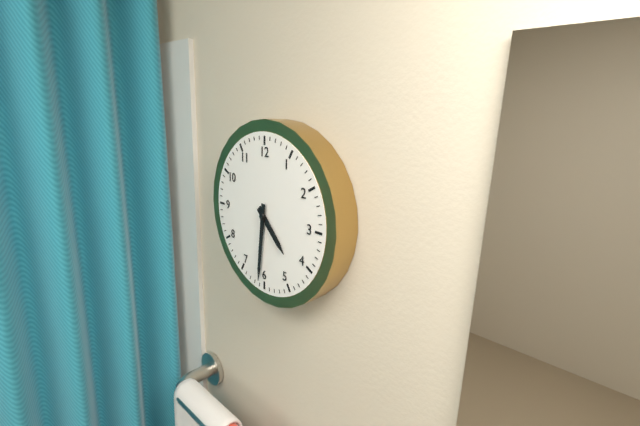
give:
4.31
